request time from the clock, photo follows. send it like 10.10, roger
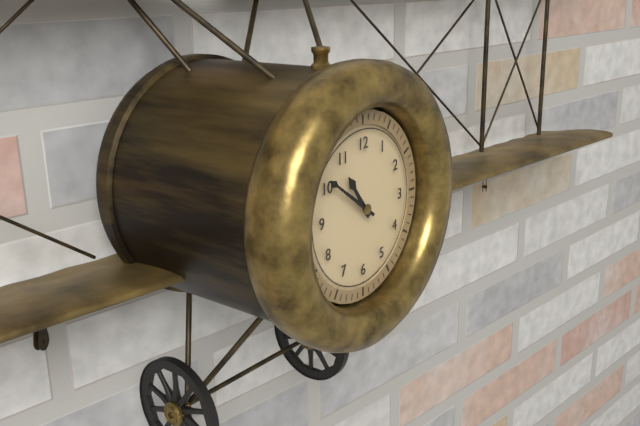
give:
10.51
